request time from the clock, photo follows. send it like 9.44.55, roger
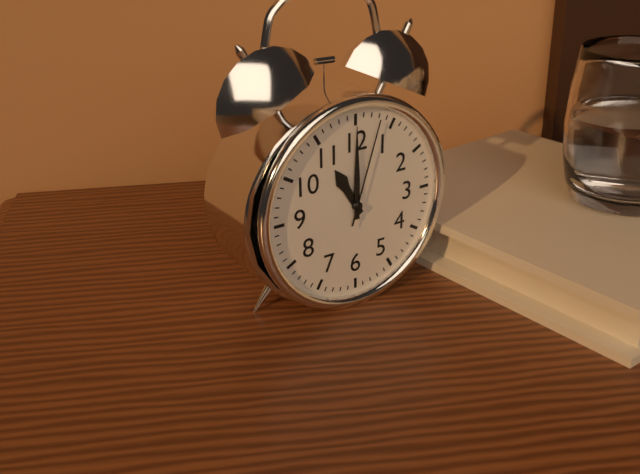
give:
11.00.03
